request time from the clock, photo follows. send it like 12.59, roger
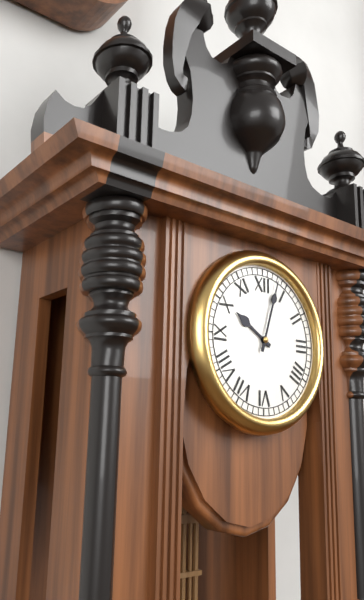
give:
10.03
